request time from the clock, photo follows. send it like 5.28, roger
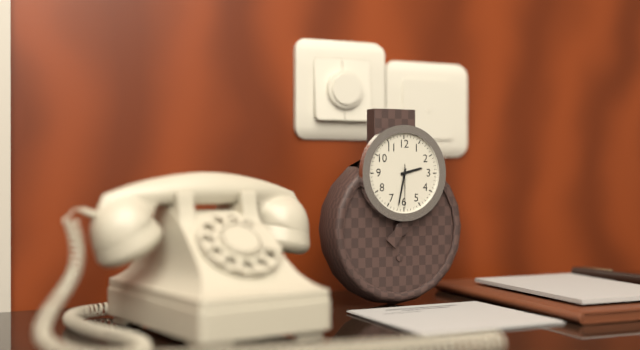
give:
2.32
